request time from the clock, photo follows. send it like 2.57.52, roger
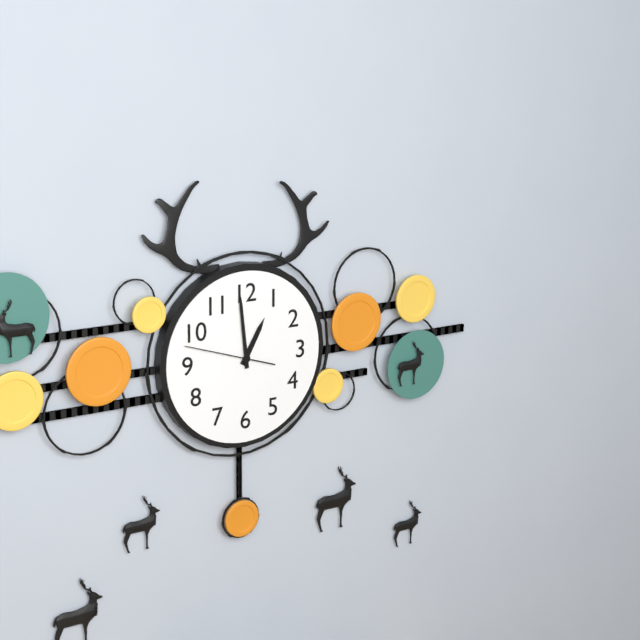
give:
12.59.48
